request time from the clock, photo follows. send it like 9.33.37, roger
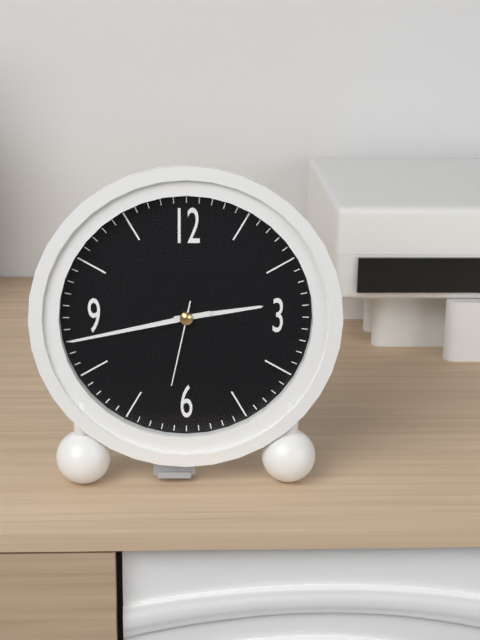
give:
2.43.32
